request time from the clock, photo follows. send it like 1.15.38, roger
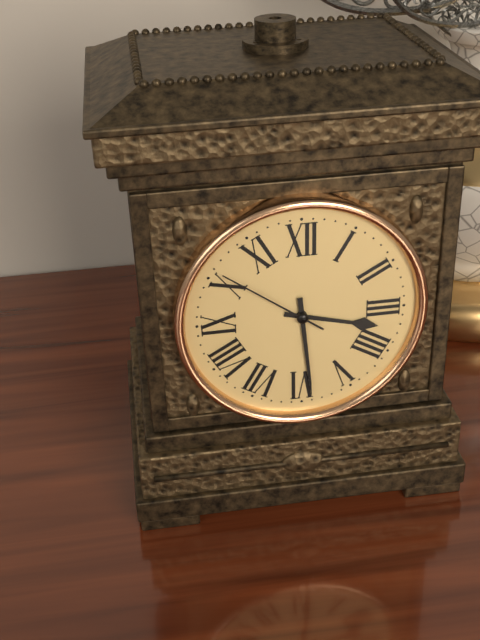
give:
3.29.51
